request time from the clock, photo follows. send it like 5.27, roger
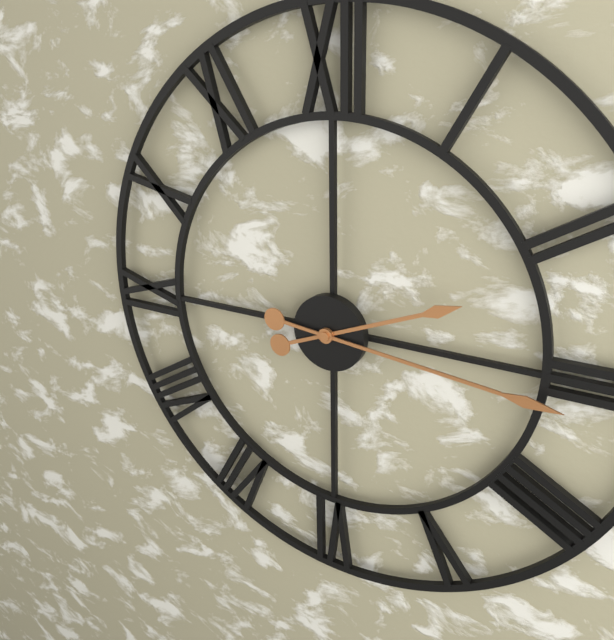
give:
2.16
